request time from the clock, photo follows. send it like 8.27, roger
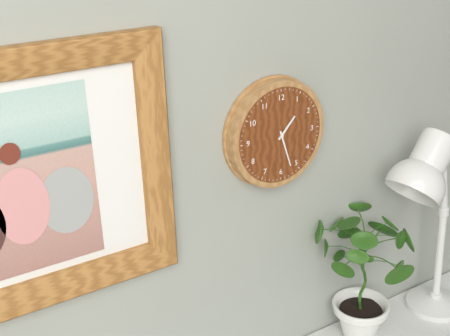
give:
1.27
